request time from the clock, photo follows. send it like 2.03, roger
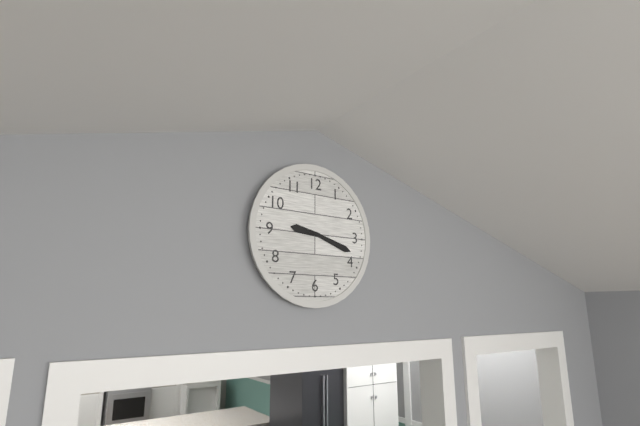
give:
9.18
